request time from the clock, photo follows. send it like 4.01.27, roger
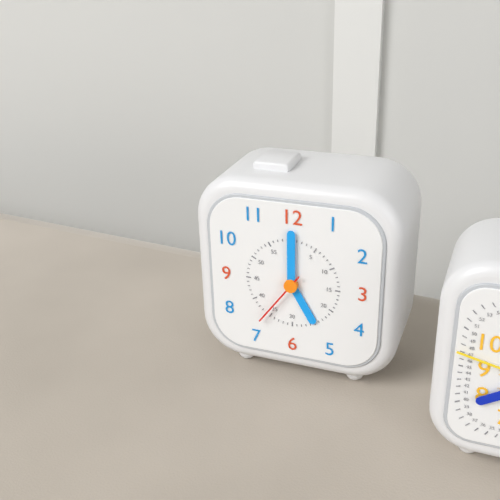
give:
5.00.36
